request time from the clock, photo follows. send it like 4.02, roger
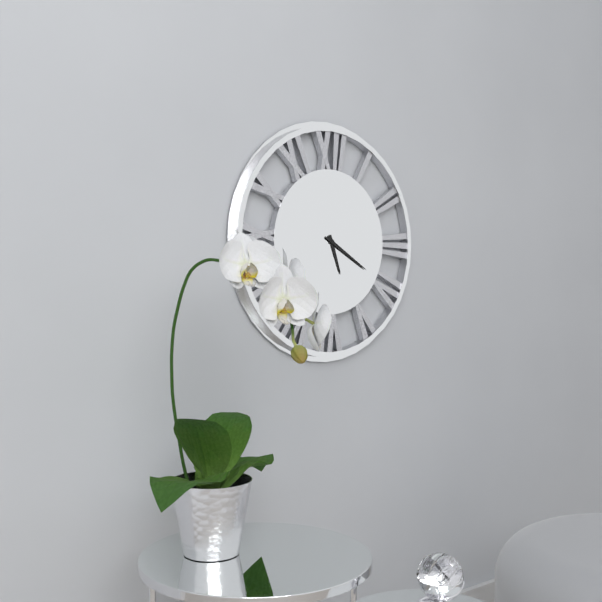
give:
5.20
